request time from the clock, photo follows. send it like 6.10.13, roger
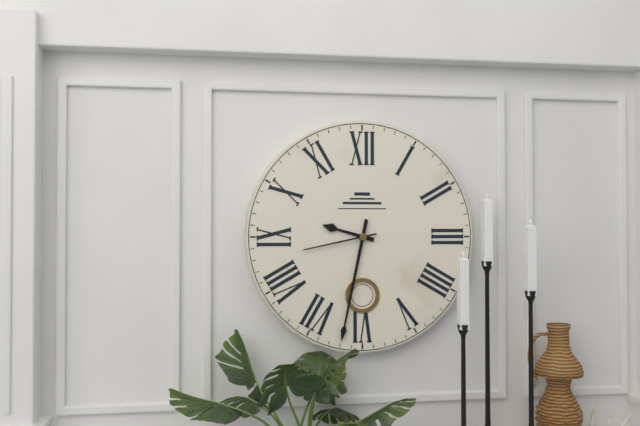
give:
9.32.43
